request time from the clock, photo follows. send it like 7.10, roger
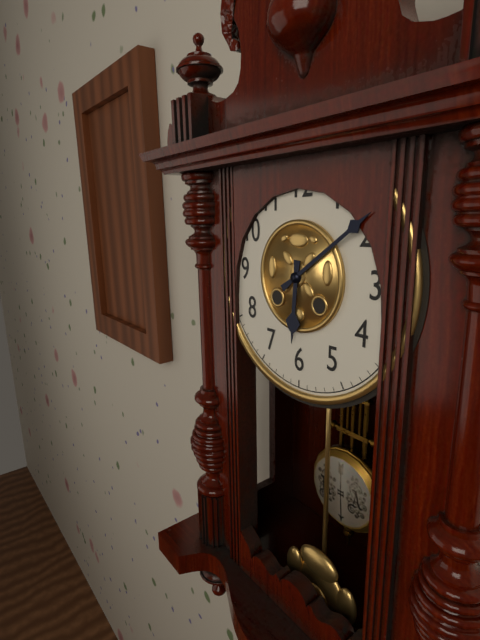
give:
6.09
